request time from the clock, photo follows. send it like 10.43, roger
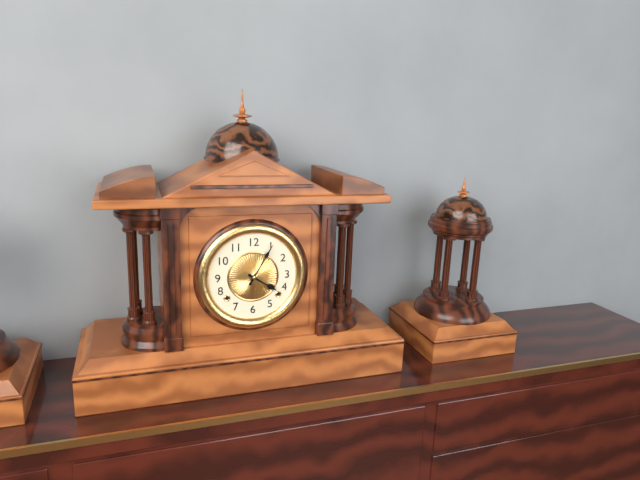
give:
4.05
